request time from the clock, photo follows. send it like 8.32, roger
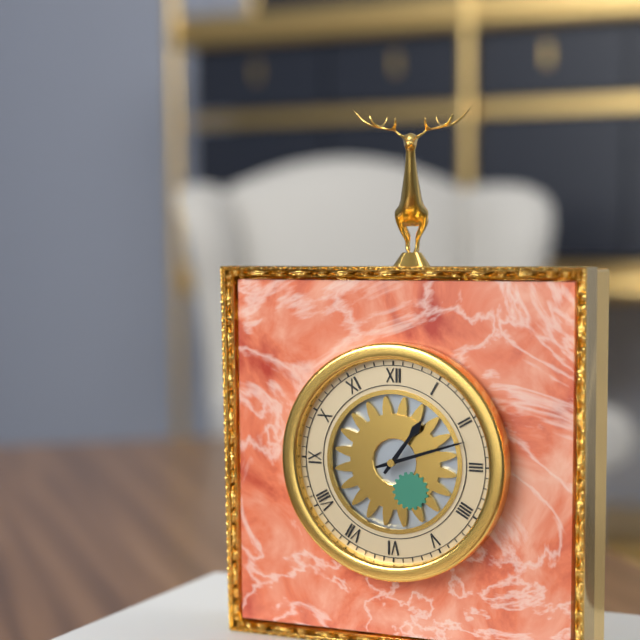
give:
1.12
